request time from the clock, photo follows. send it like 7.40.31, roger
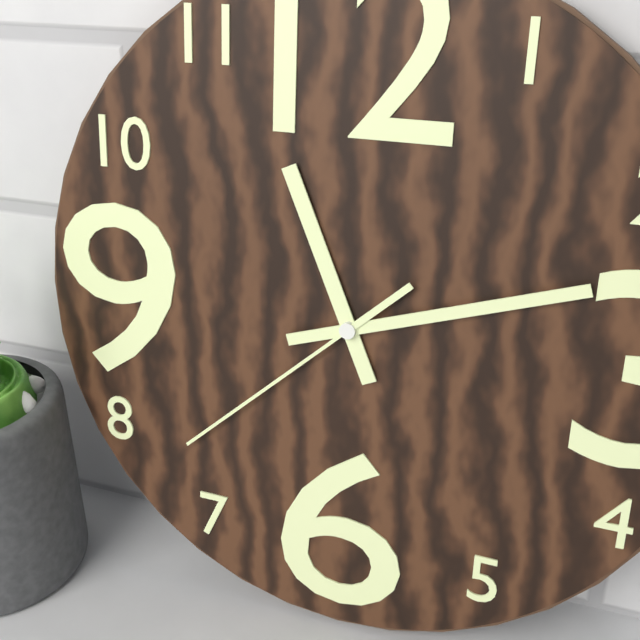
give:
11.12.38
